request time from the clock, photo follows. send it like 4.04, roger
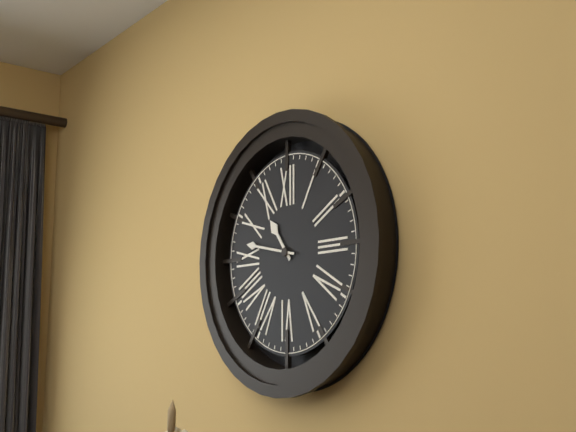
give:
10.47
